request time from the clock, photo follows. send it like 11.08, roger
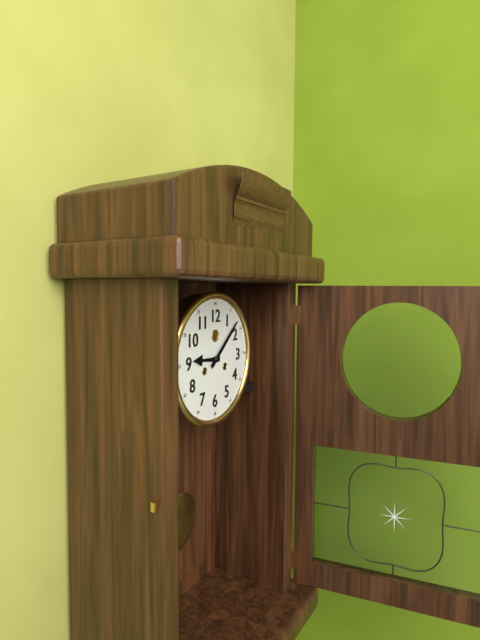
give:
9.08
